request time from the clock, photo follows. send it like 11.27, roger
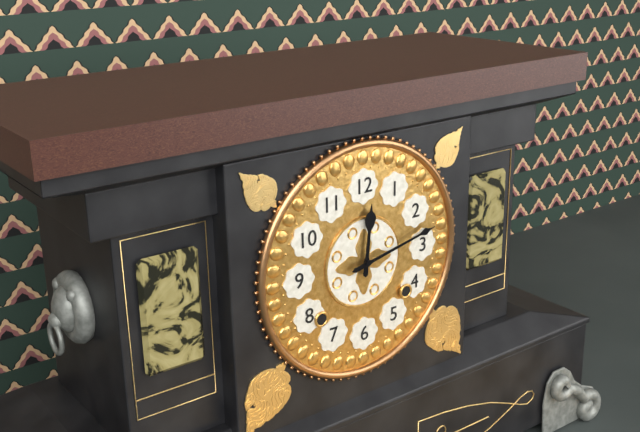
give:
12.13
